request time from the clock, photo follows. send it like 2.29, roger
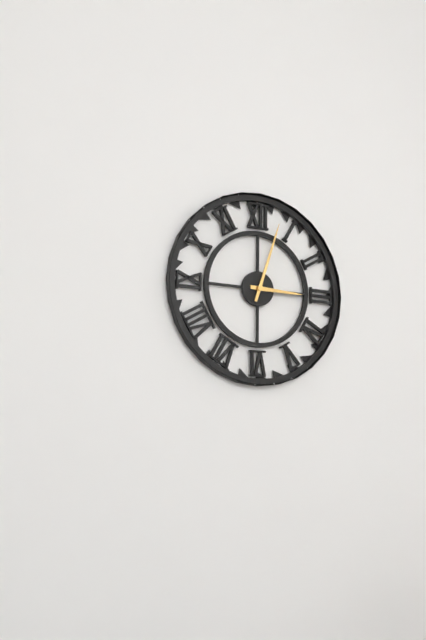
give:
3.03
